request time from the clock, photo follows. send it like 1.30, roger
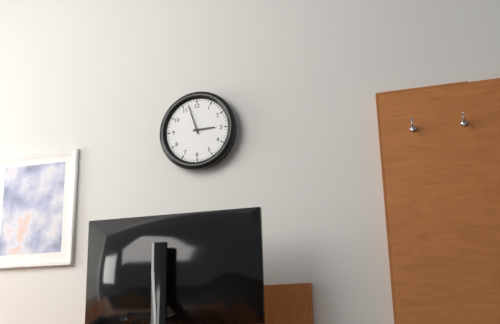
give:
2.57
